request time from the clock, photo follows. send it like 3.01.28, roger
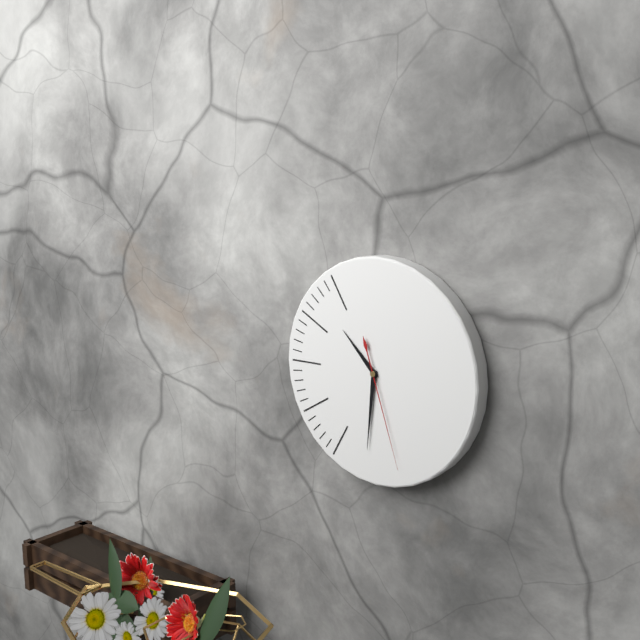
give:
10.31.27
